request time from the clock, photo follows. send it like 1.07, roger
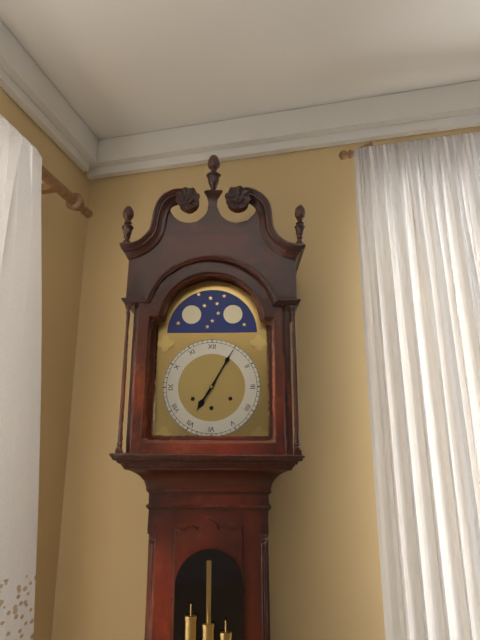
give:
7.05
